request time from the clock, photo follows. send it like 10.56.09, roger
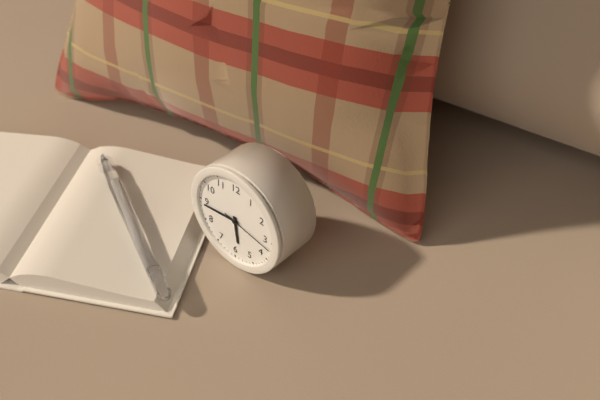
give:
5.44.17
